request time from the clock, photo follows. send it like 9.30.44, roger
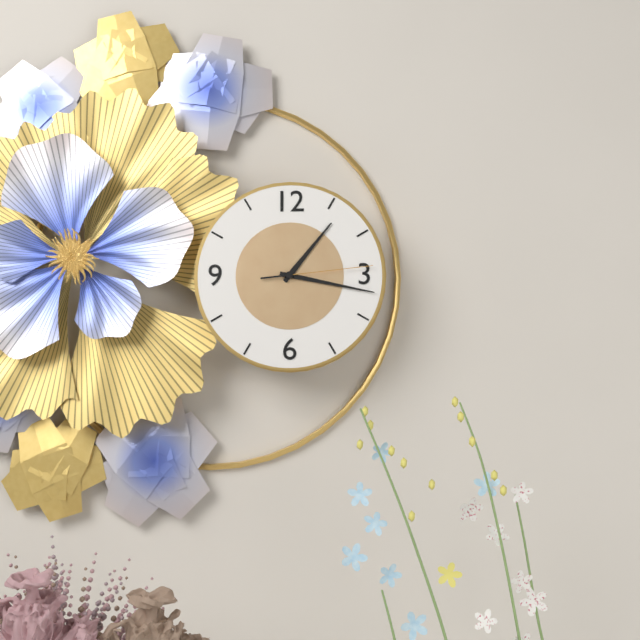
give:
1.17.14
